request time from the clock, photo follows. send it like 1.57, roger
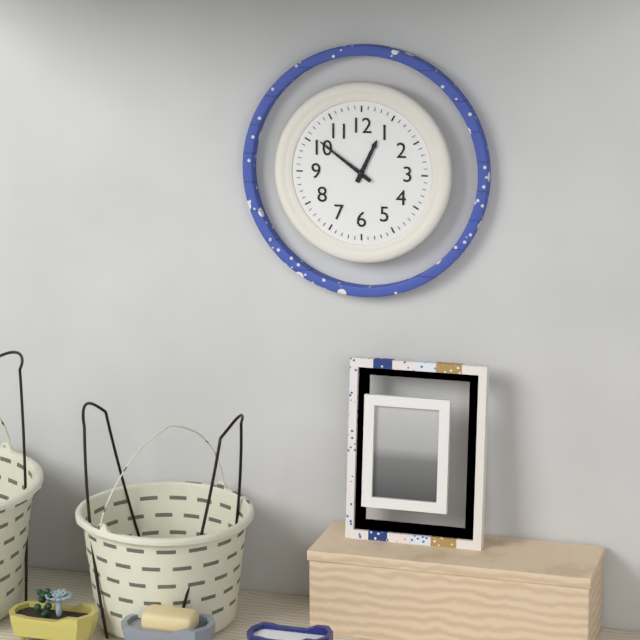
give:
12.51
